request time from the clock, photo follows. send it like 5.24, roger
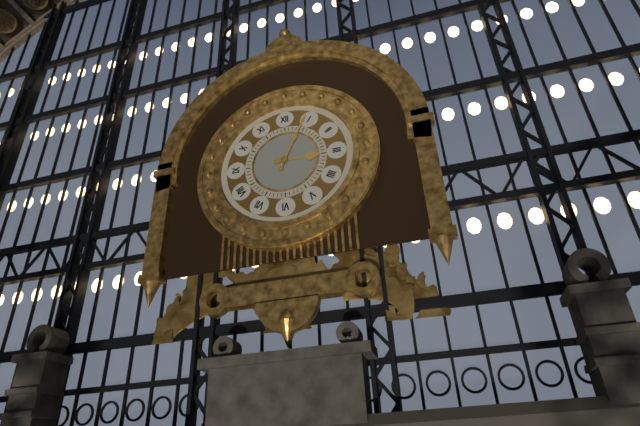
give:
3.04
